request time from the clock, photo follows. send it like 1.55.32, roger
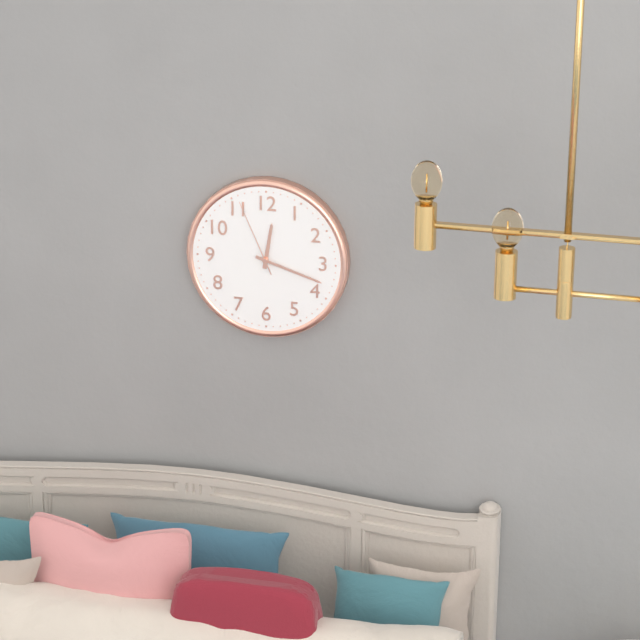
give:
12.18.56
